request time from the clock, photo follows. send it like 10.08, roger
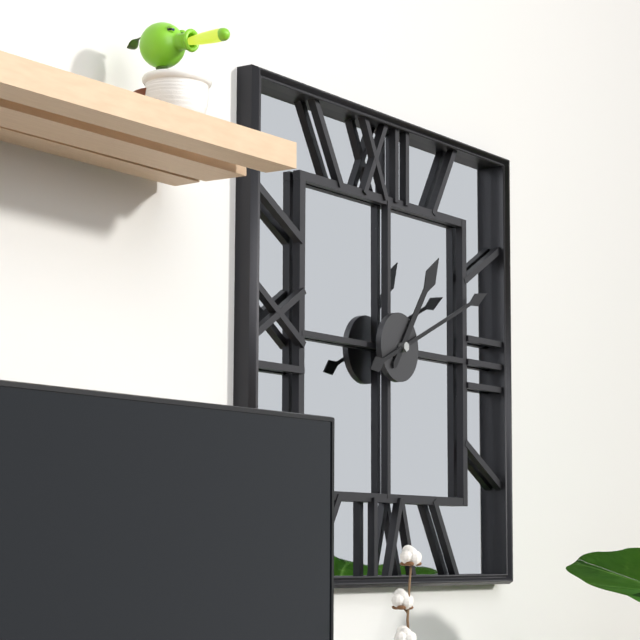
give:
1.11
